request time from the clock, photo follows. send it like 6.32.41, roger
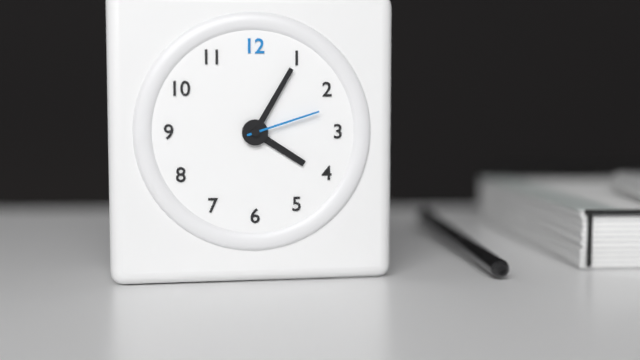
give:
4.05.12
